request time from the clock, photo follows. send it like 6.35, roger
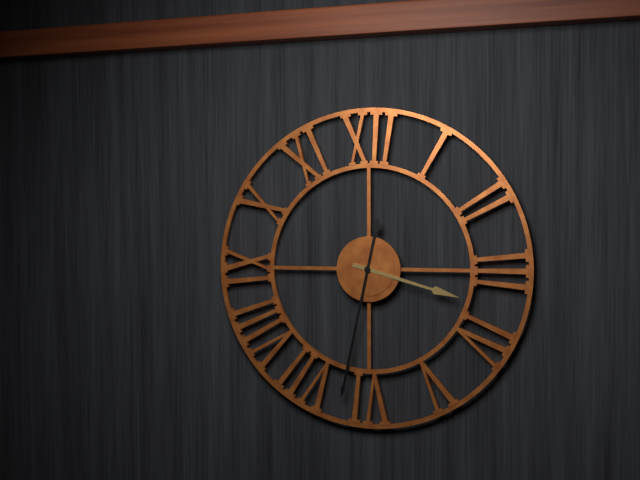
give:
3.32
